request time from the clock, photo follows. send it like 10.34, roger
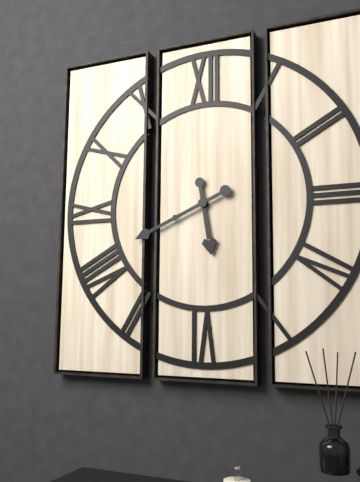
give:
5.41
